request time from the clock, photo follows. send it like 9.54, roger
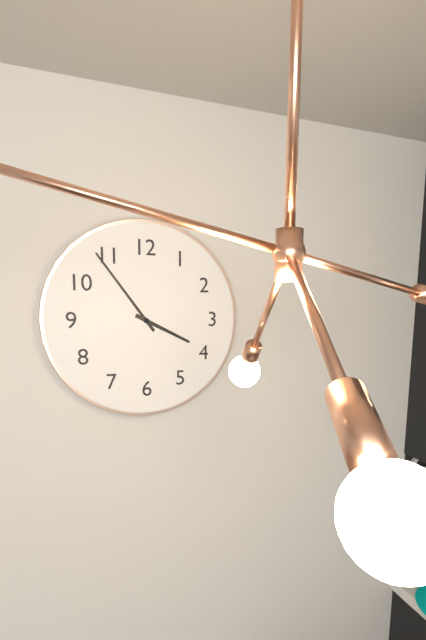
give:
3.54
